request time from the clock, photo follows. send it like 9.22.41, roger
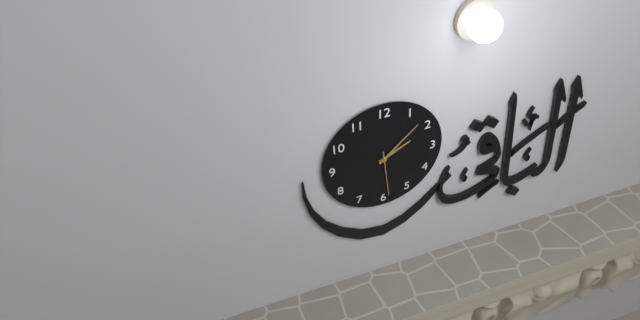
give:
2.08.29
